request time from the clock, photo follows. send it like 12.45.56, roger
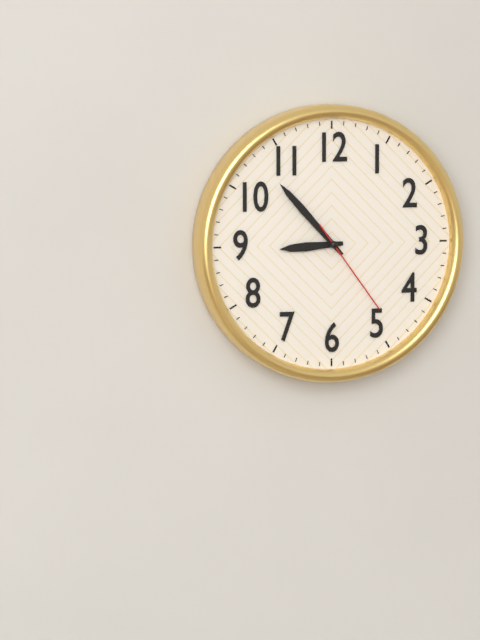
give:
8.53.24
